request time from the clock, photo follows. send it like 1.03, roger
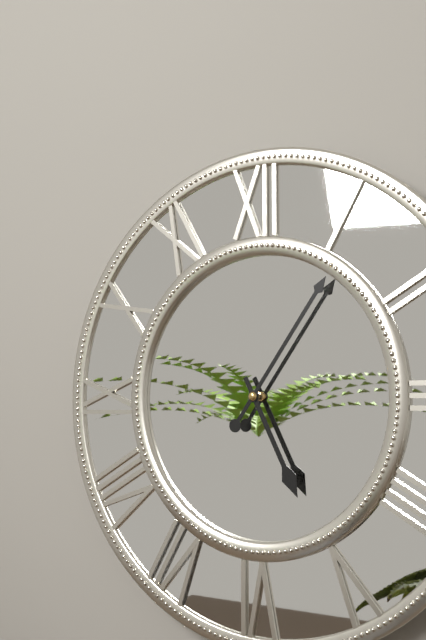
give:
5.06
